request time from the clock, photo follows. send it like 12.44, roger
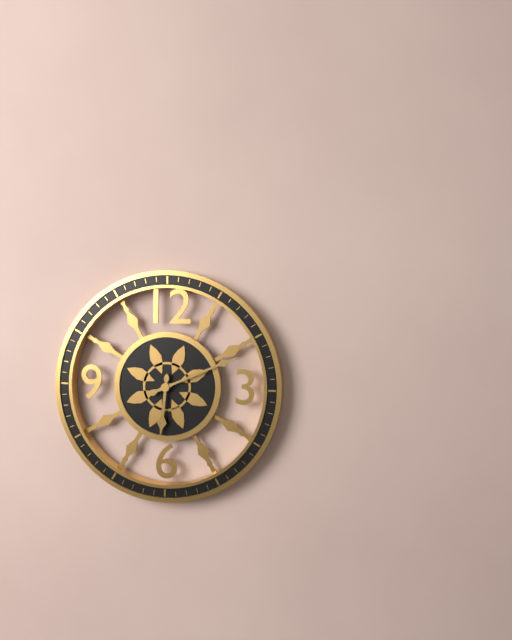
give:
6.11
